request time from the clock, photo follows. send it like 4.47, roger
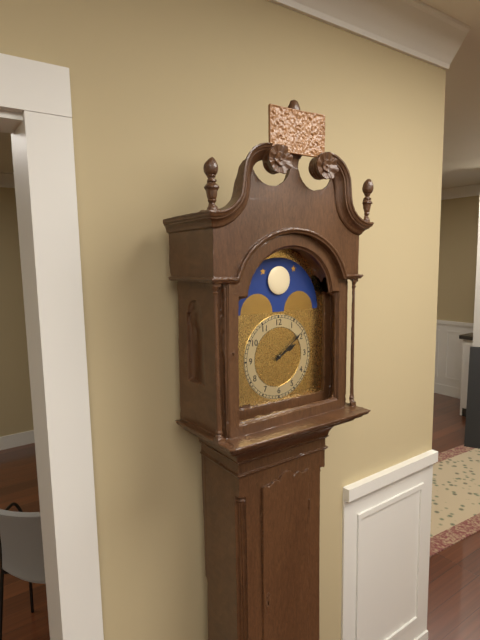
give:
2.09
